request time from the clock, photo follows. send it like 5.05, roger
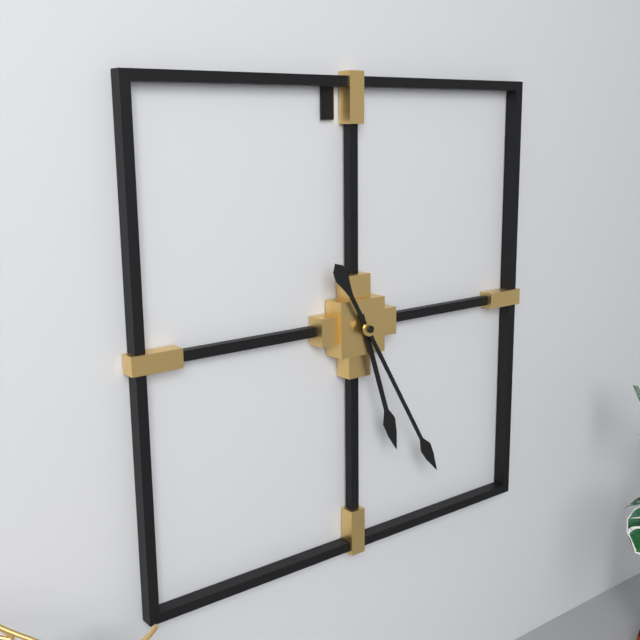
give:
5.25
